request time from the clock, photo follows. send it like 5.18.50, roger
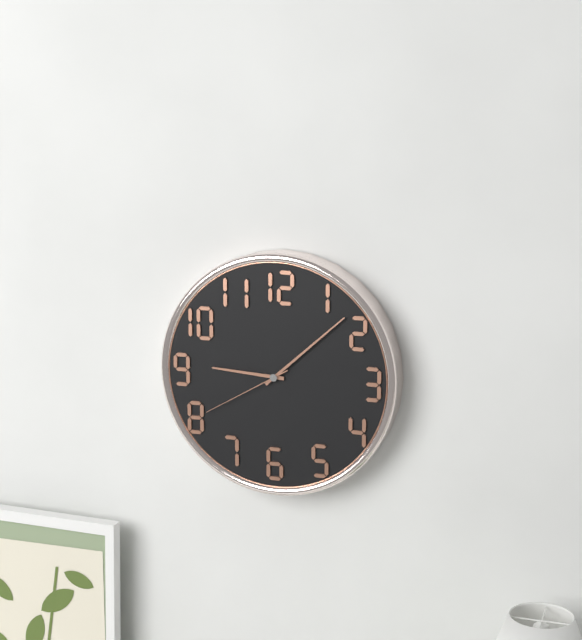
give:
9.08.40
